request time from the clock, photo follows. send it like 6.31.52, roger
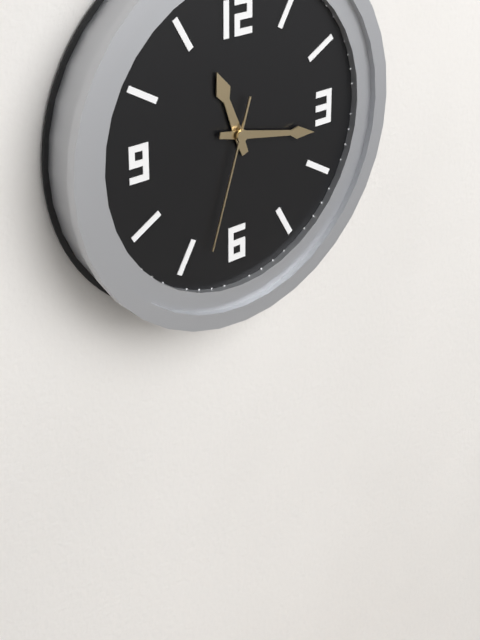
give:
11.17.33
